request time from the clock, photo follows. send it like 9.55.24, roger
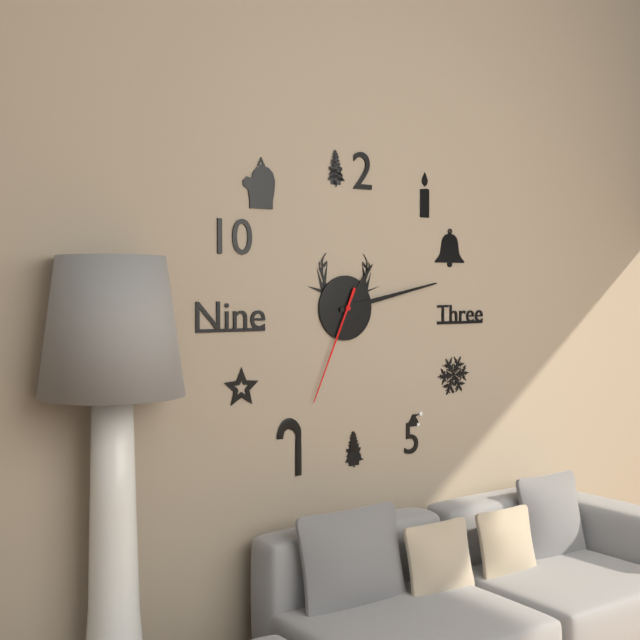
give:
1.13.34
